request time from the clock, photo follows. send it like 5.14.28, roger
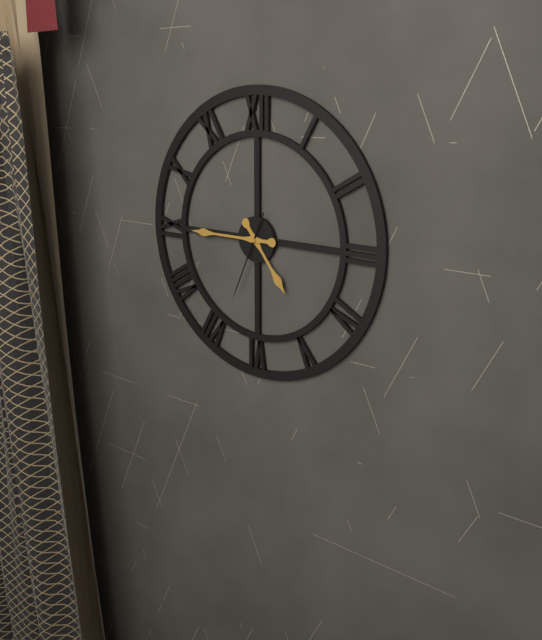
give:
4.45.34
